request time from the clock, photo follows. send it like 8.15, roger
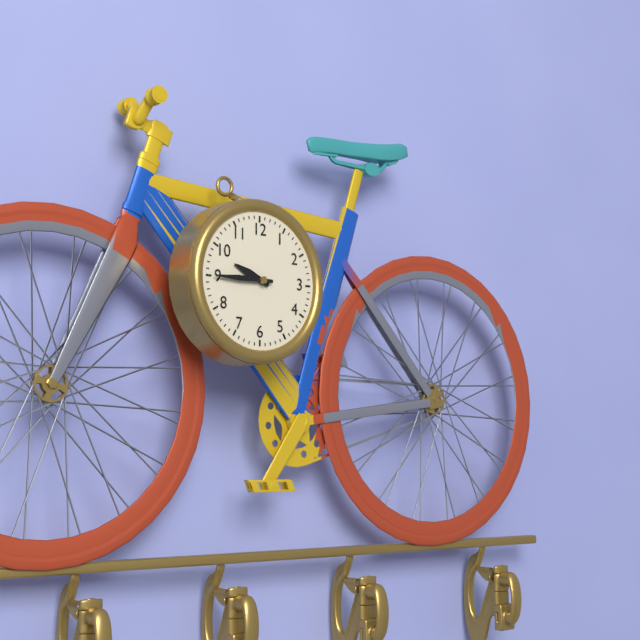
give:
9.45
